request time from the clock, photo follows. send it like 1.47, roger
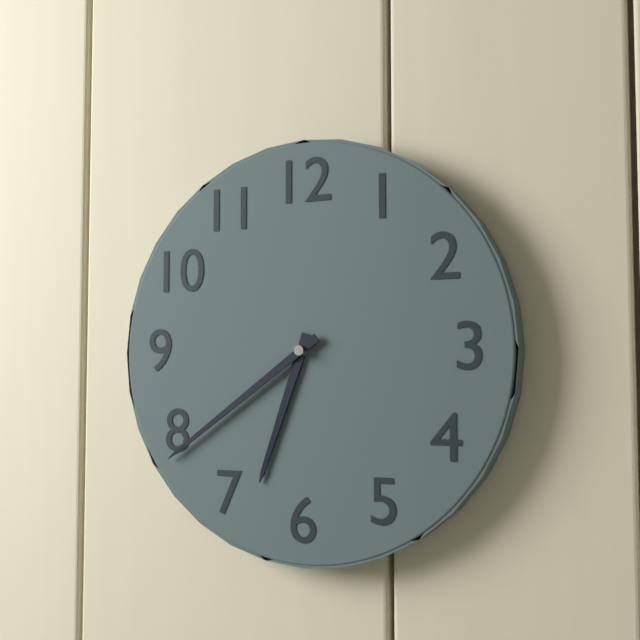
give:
6.39
